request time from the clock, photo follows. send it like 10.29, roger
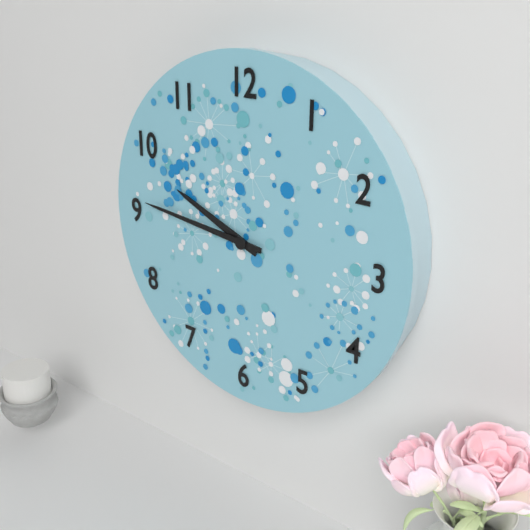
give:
9.46
